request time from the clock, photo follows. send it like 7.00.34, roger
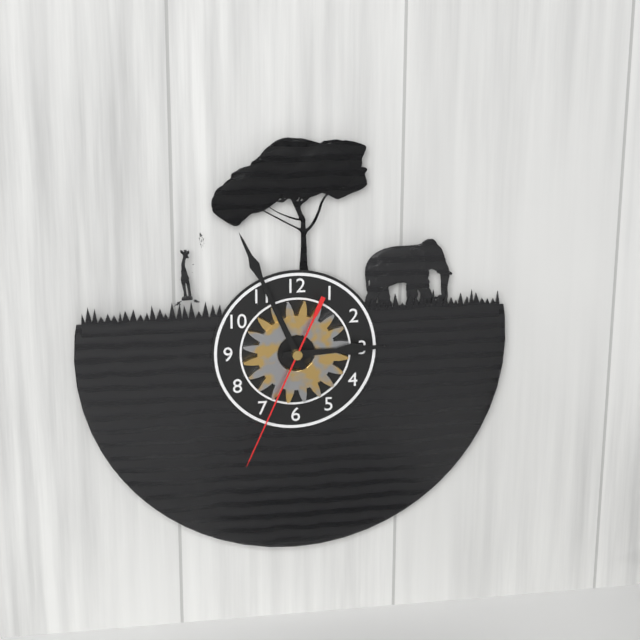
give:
2.56.34
